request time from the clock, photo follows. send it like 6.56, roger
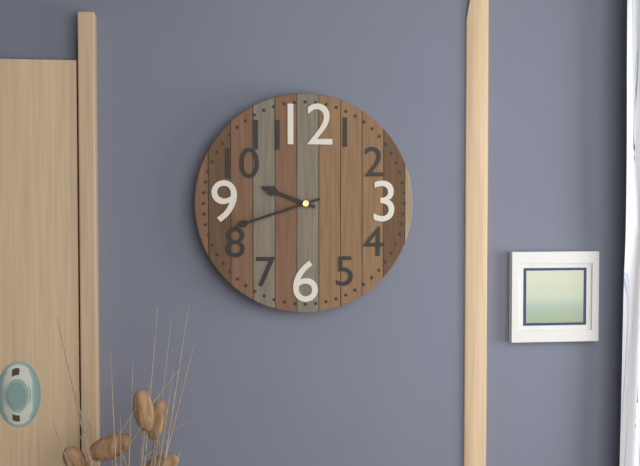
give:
9.42
